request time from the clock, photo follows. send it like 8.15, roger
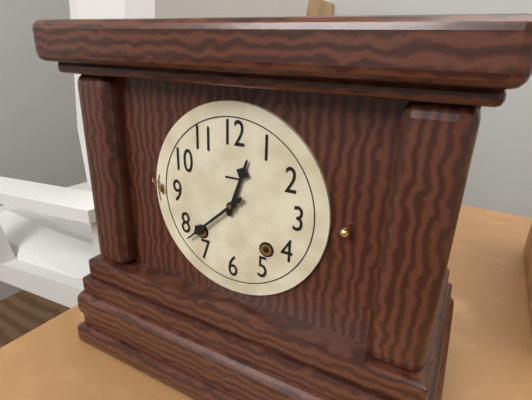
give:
12.38
